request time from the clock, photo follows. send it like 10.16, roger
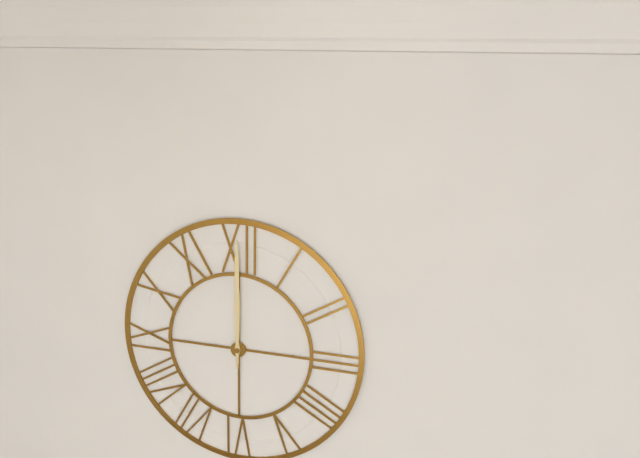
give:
12.00
